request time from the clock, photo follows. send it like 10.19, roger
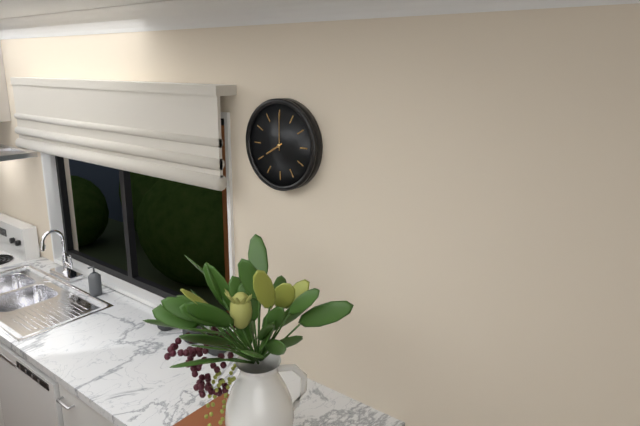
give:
8.00
